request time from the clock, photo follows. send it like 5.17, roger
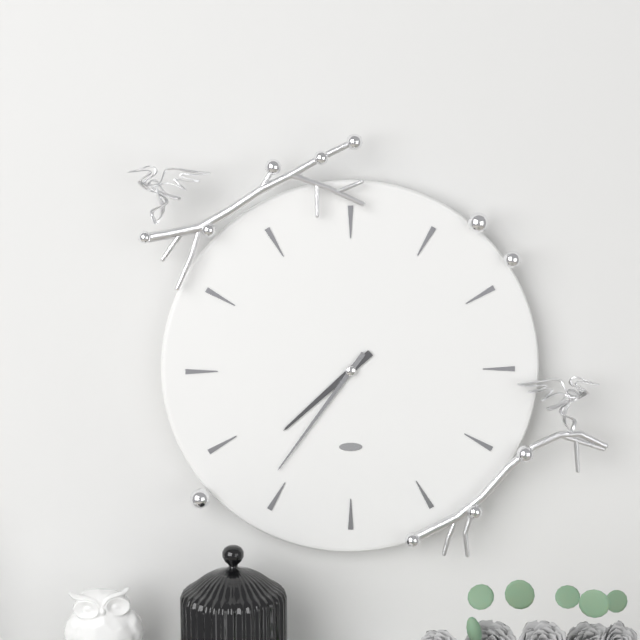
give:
7.36
